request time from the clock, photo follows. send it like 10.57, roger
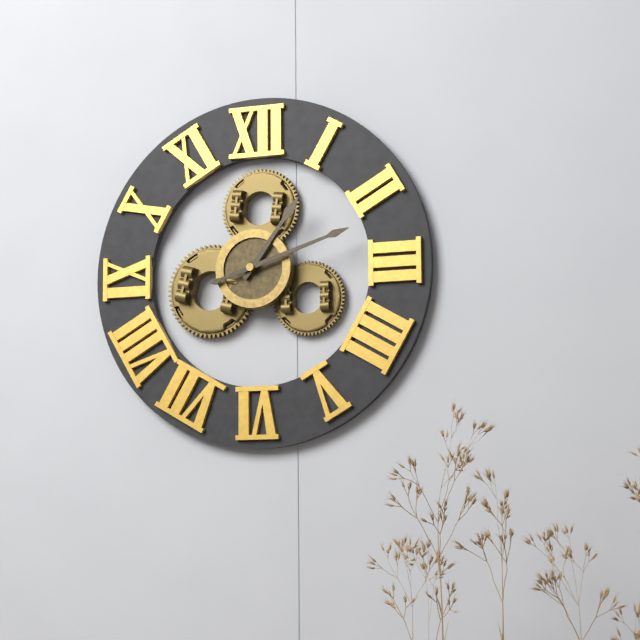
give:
1.12
